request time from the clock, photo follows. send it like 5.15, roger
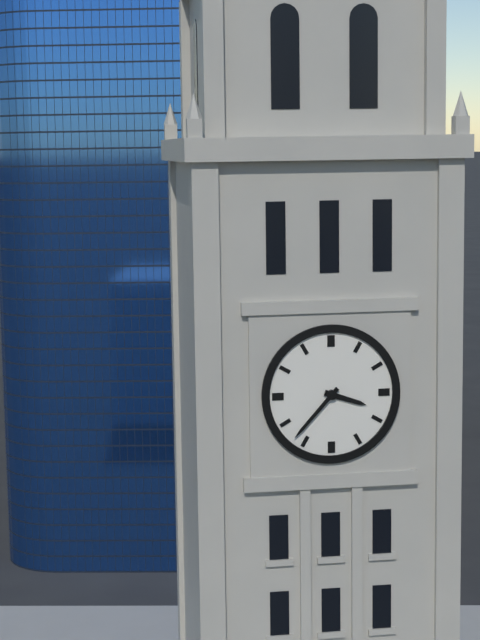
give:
3.37
